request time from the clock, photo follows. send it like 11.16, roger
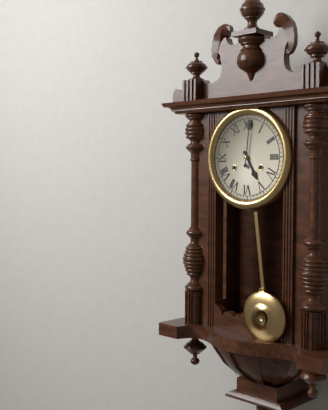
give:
5.01
